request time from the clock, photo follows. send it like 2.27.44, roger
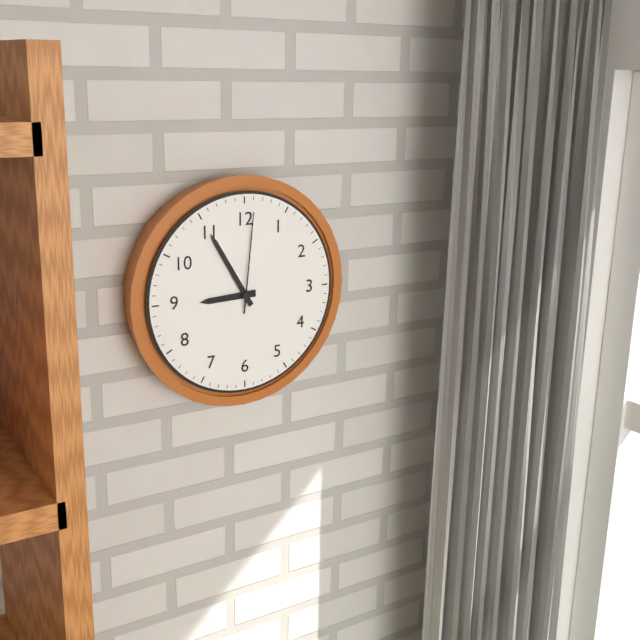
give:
8.55.01
